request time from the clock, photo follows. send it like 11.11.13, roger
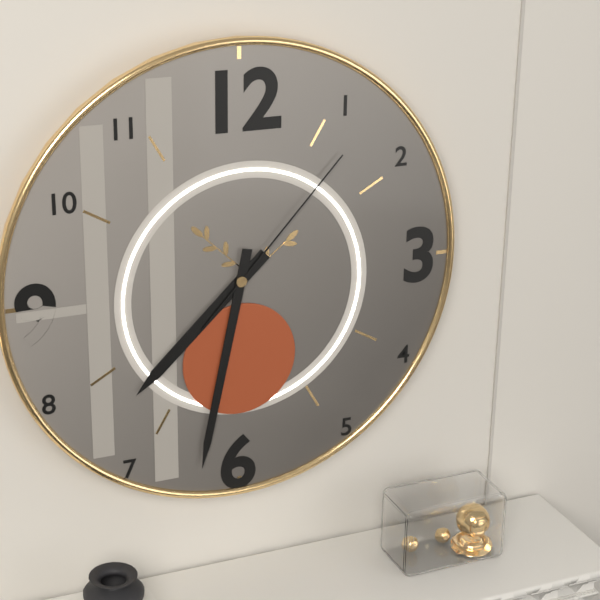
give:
7.32.07
